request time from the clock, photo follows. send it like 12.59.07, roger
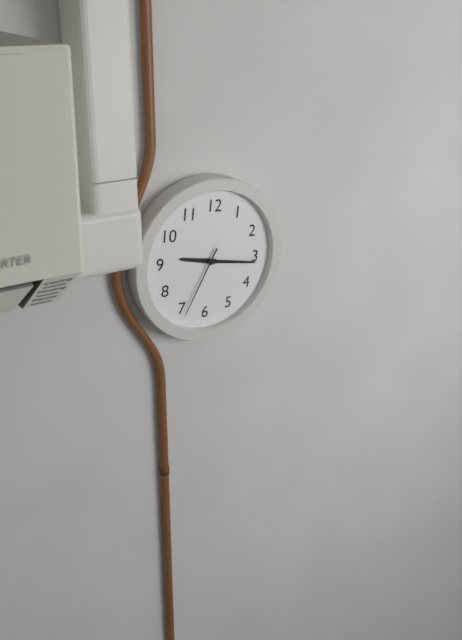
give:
9.16.34
